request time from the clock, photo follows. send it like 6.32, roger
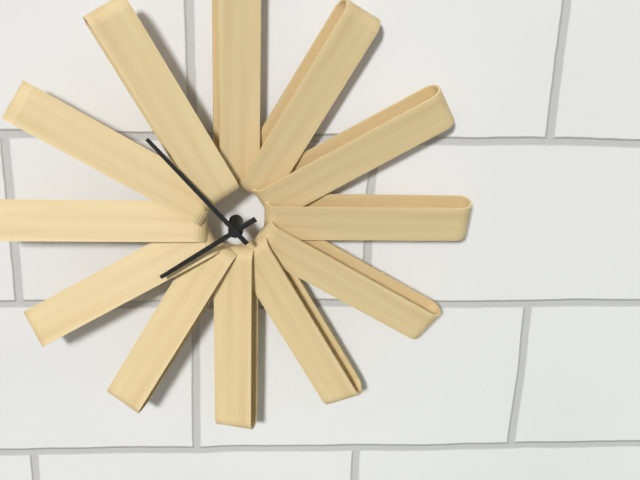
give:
7.53
